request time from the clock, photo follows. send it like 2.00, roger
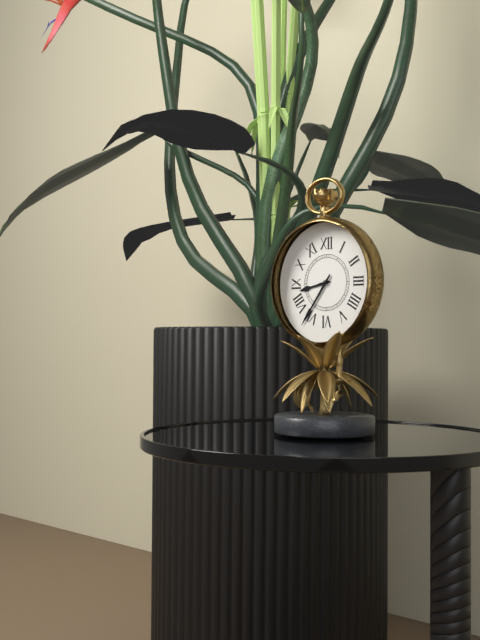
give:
8.36
